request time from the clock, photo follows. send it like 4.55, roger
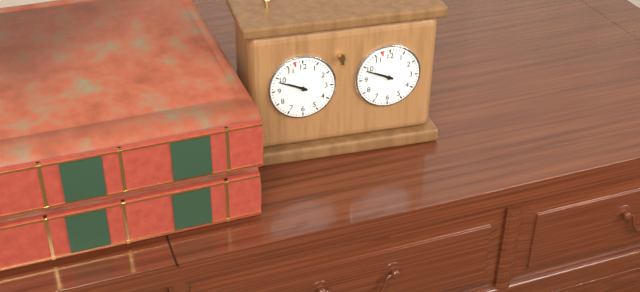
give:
9.49
